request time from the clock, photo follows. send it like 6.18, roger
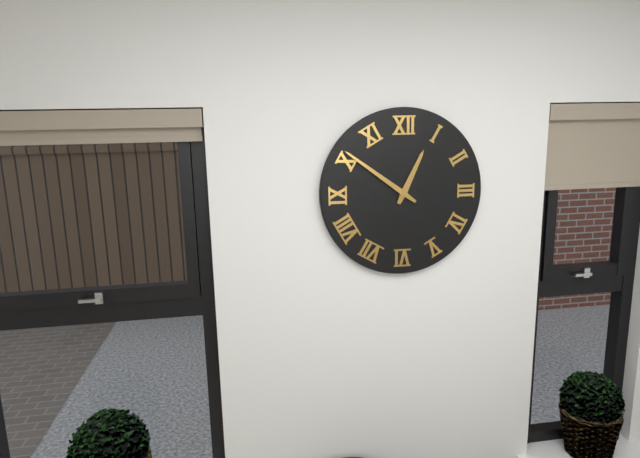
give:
12.51
